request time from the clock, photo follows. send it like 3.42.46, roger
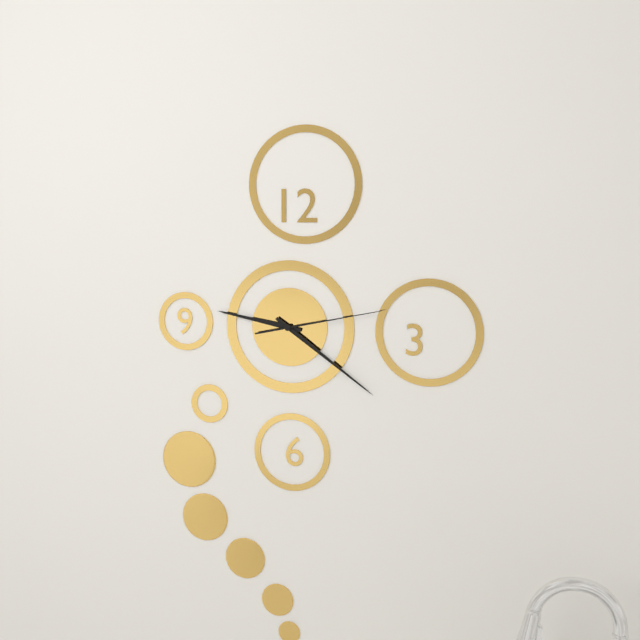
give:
9.21.13
